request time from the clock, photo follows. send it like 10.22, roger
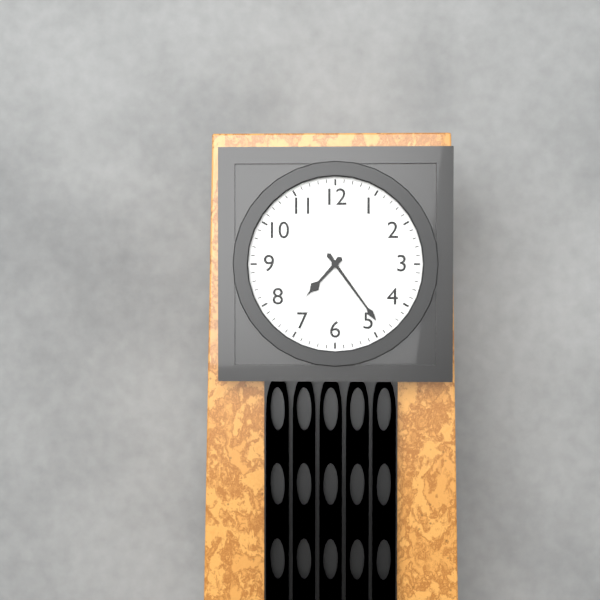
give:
7.24
